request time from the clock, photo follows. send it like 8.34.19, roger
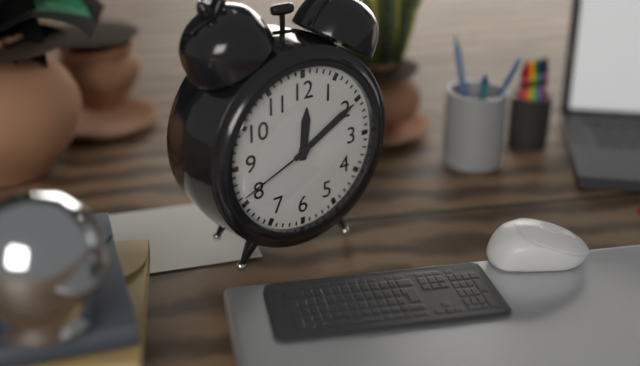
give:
12.10.41
